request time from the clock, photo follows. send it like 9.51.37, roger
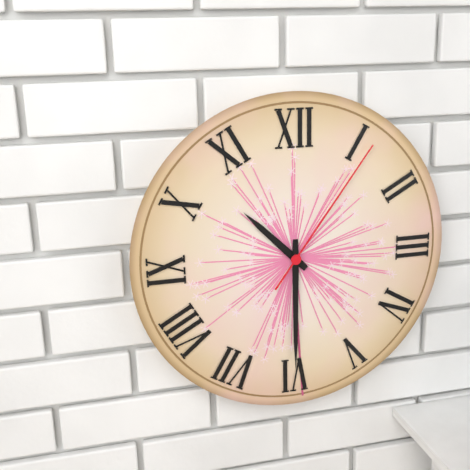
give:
10.30.06
